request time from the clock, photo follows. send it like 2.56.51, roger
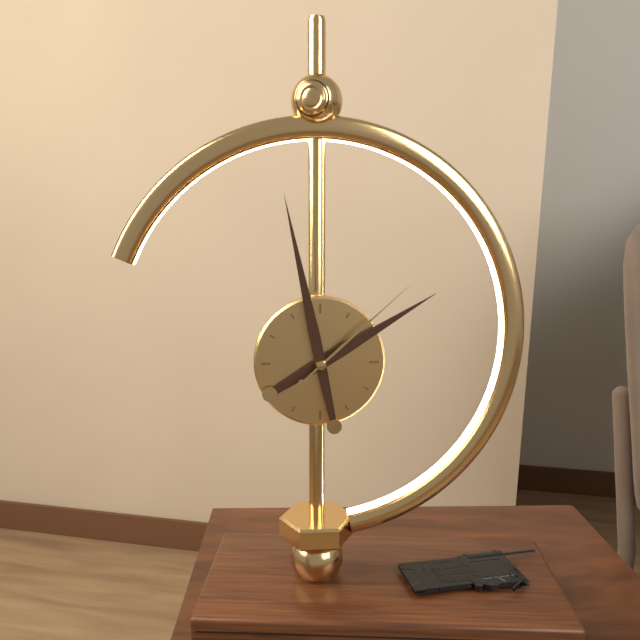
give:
1.58.08
